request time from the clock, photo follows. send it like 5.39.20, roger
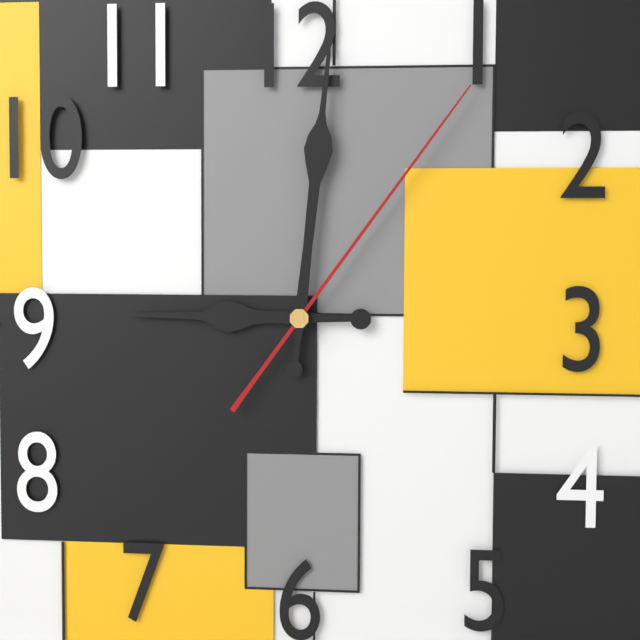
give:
9.01.06
